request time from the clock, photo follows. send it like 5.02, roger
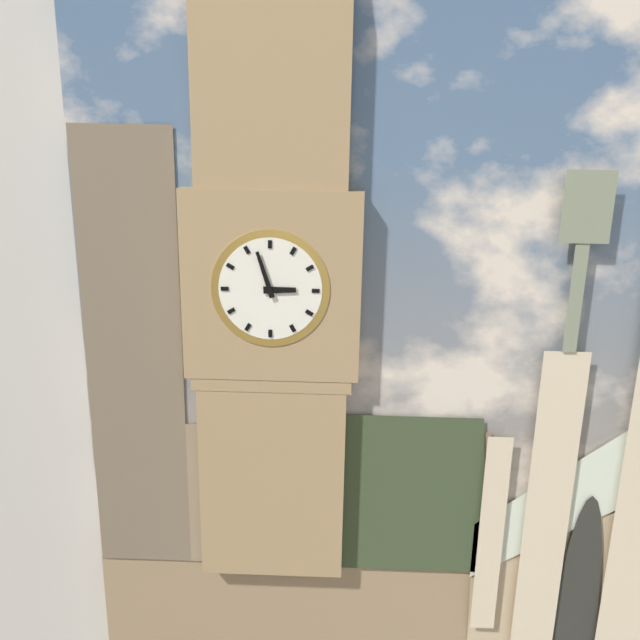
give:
2.57
